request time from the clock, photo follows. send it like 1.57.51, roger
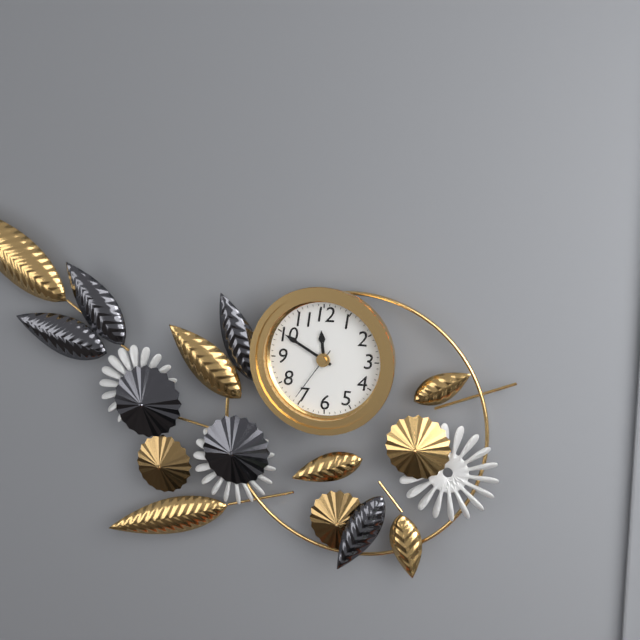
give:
11.50.36
